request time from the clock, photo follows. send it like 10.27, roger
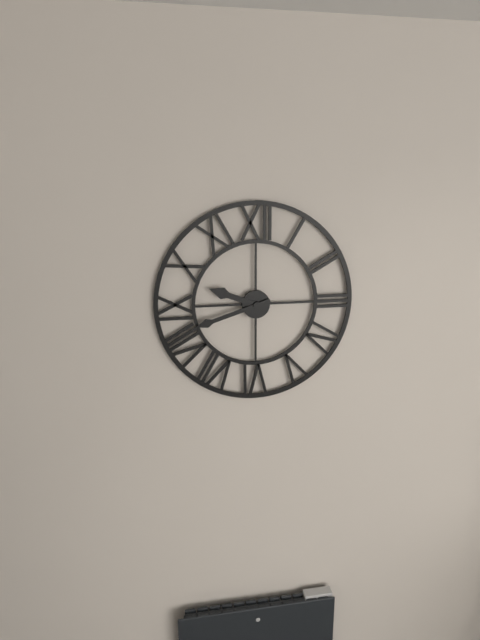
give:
9.42
